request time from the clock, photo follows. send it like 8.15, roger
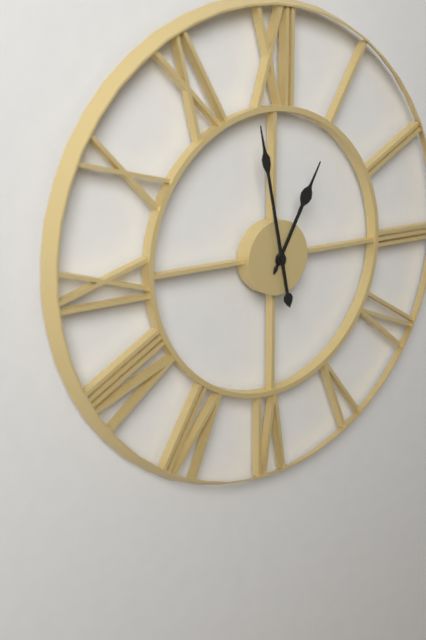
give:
12.58
